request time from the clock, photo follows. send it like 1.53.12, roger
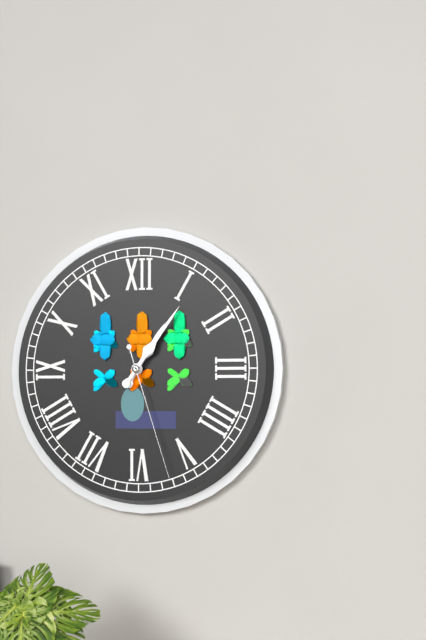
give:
1.06.27
